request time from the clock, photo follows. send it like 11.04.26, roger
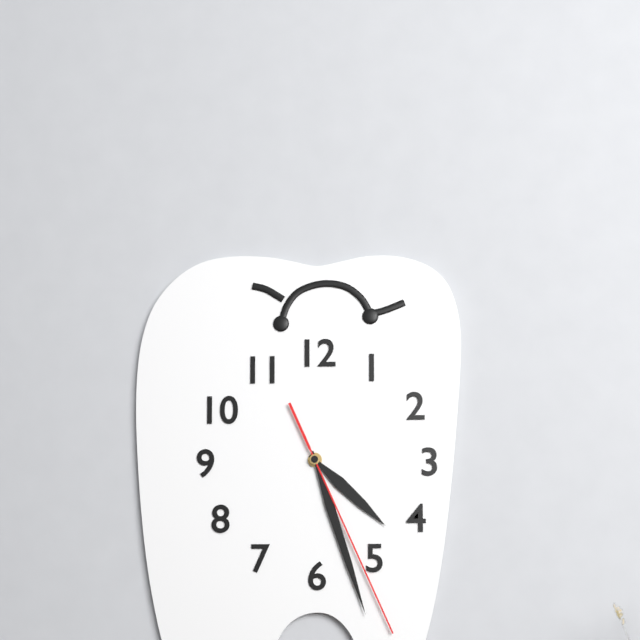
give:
4.27.26
